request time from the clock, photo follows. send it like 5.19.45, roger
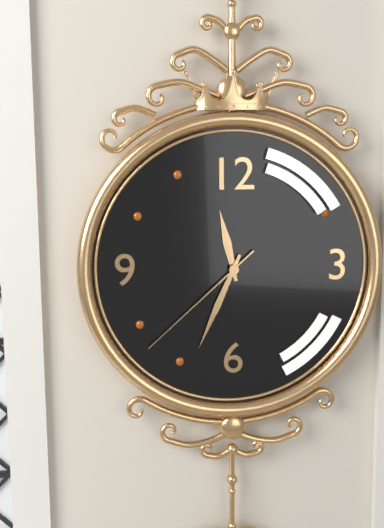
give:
11.34.38
